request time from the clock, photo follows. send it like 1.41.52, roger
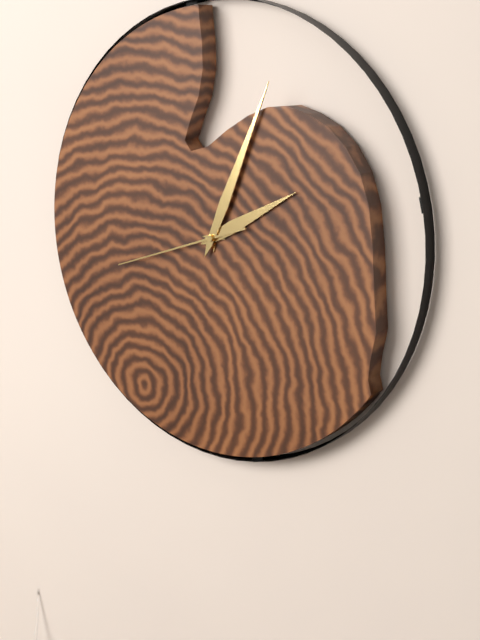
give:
2.04.42
